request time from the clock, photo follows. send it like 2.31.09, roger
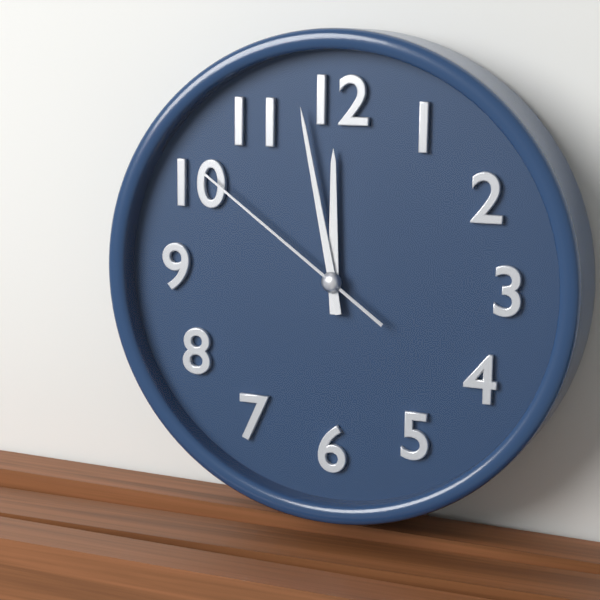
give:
11.58.51
